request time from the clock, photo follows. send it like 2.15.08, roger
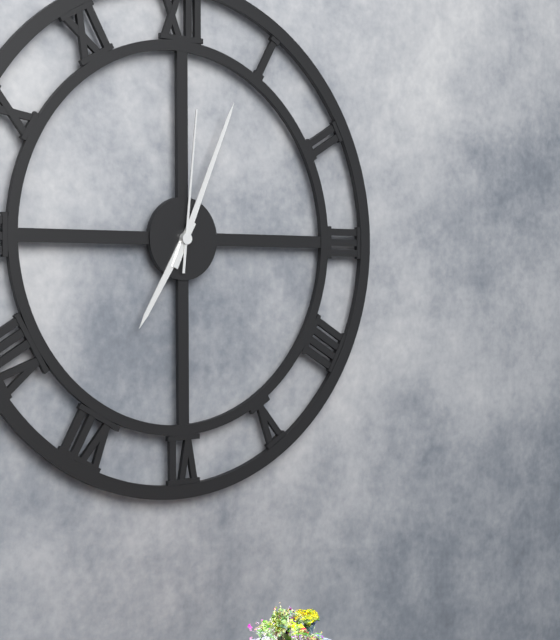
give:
7.04.01
